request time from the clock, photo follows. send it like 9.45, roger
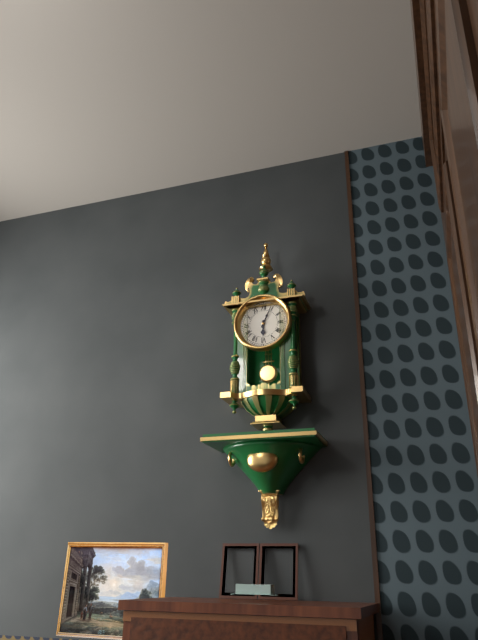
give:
6.04
